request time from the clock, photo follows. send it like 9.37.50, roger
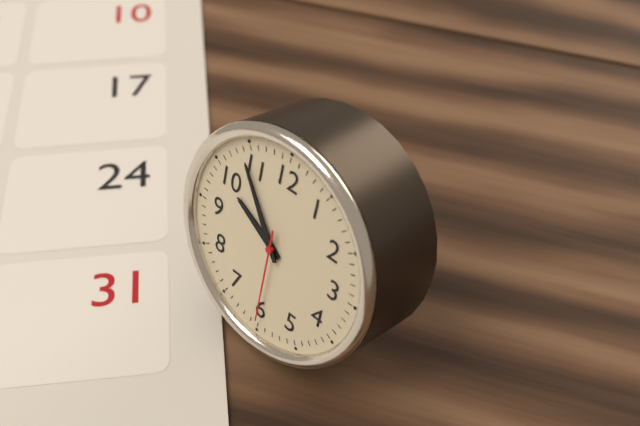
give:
9.54.30
